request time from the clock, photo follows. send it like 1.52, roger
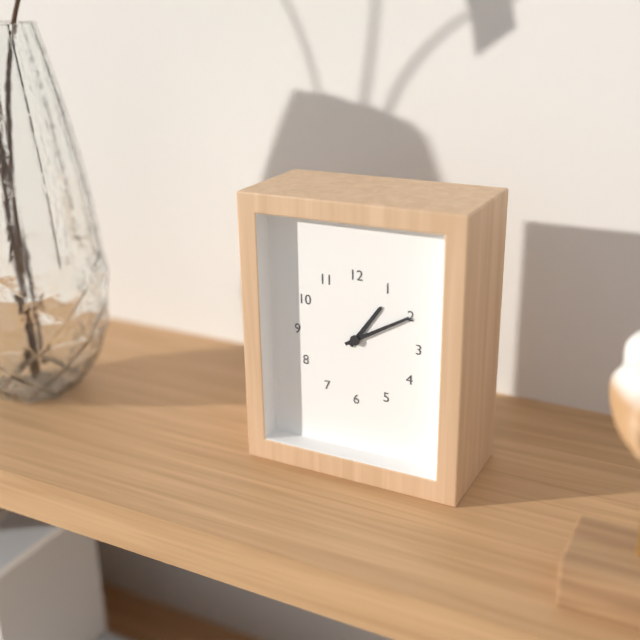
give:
1.10
